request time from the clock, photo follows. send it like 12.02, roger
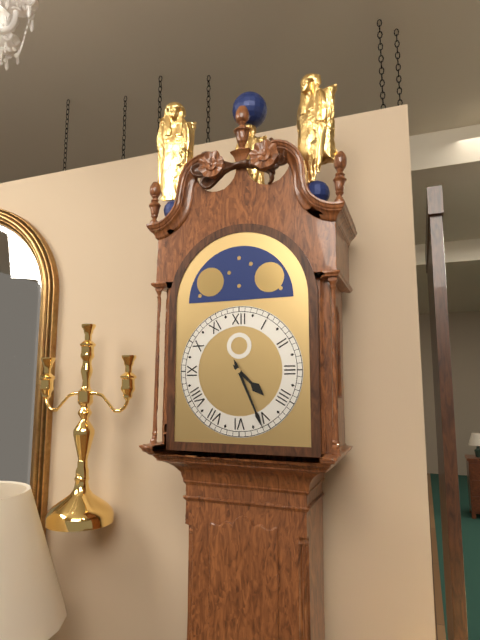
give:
4.26
